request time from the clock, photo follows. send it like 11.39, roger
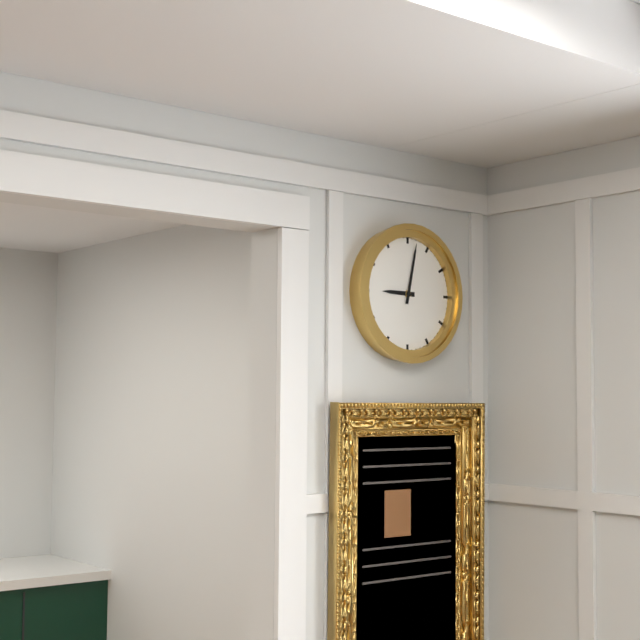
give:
9.02
